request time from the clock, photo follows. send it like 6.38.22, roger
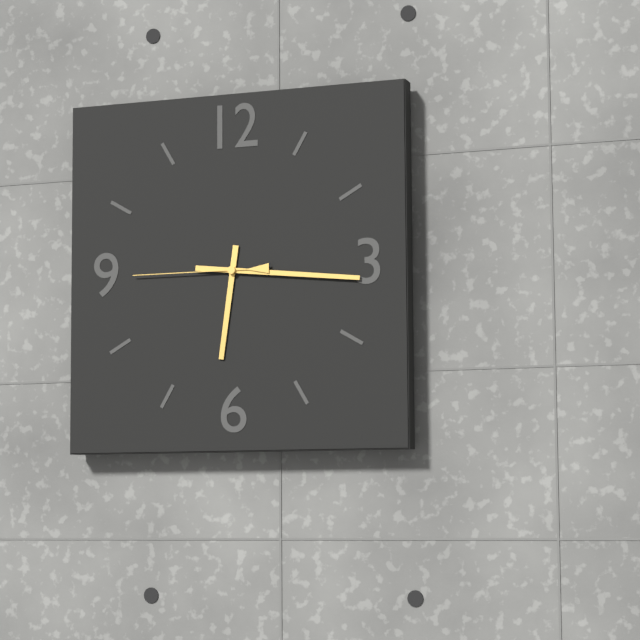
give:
6.16.45
